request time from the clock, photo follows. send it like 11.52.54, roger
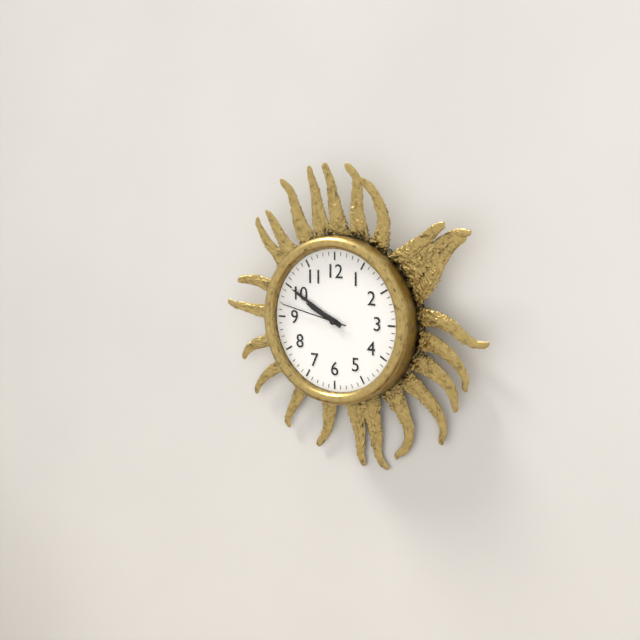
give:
9.50.47
